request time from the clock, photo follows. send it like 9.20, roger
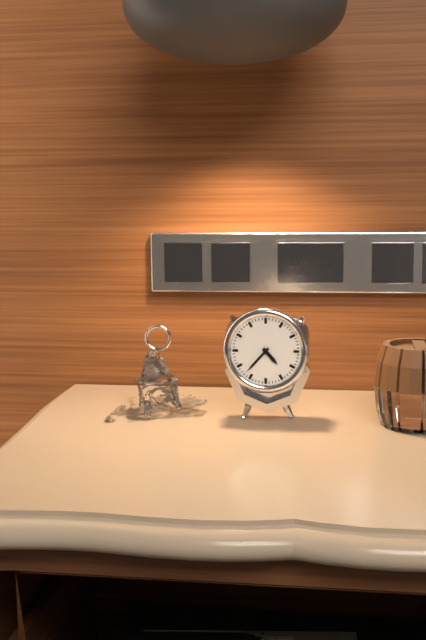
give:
4.37
